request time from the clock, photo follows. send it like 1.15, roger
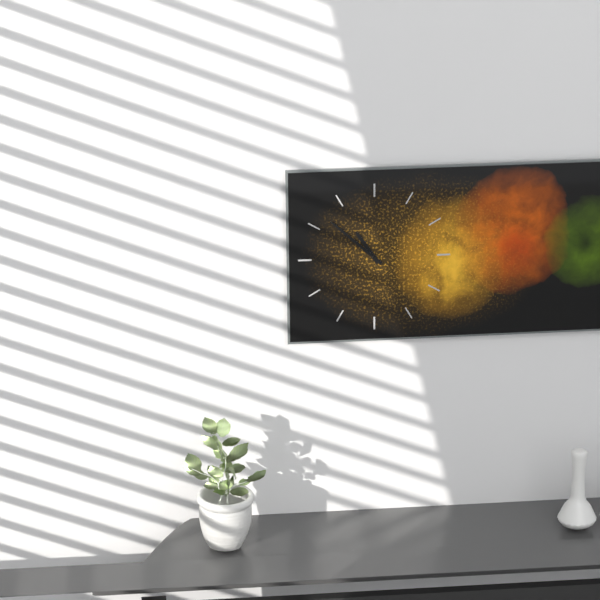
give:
10.52
